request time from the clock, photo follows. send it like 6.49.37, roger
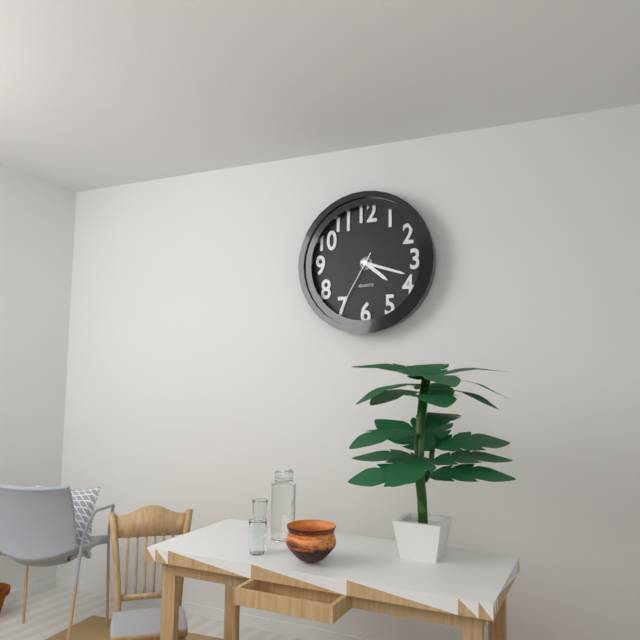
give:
4.18.35
